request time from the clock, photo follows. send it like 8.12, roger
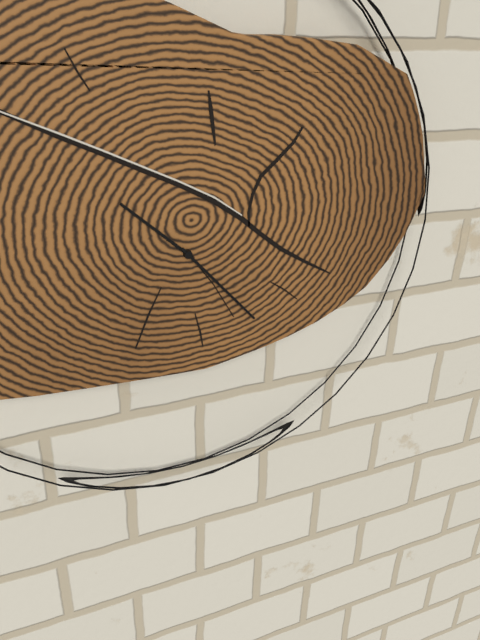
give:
10.23
